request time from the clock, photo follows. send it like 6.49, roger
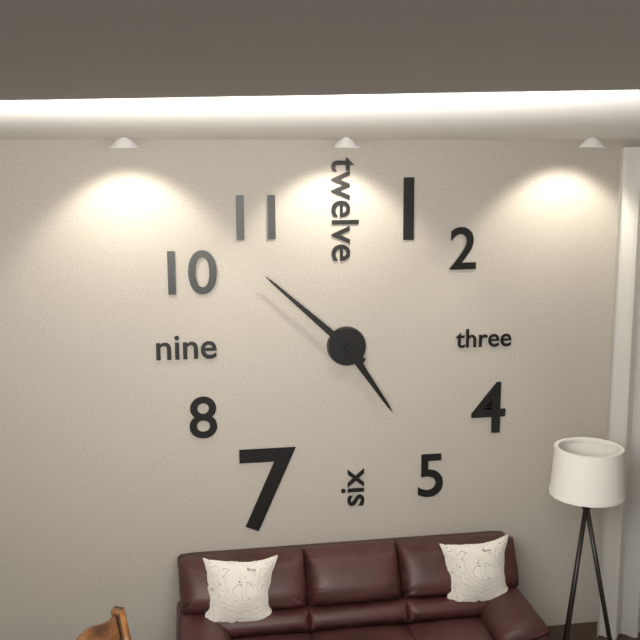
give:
4.52
